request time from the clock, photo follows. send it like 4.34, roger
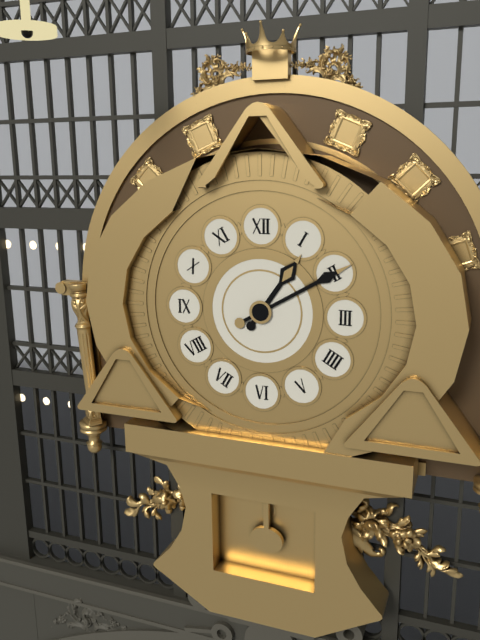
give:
1.10
